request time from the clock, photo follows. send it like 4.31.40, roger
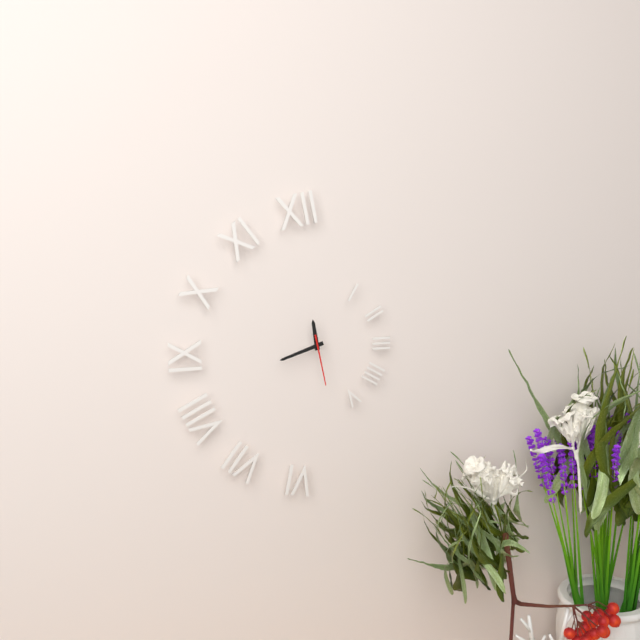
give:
11.42.28
